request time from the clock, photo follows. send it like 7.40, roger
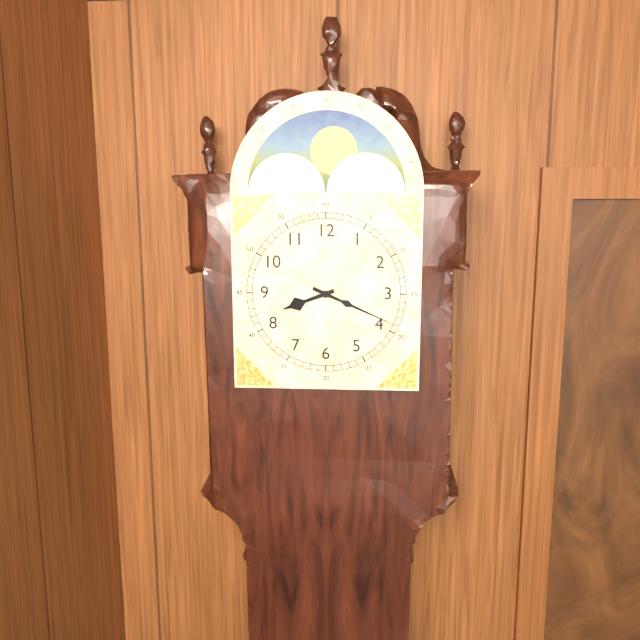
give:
8.19
